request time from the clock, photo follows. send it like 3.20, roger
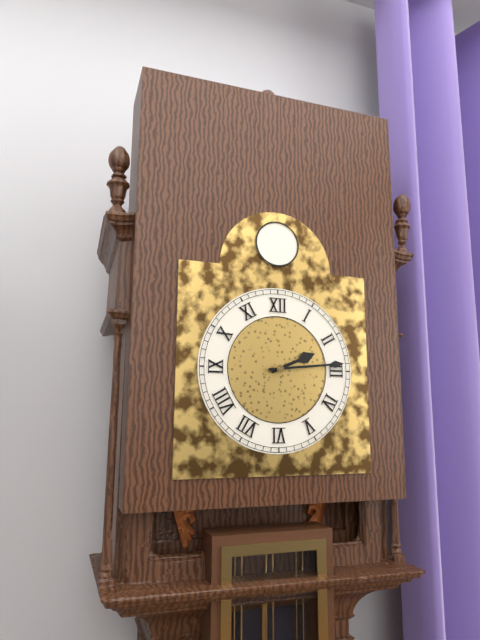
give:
2.14
